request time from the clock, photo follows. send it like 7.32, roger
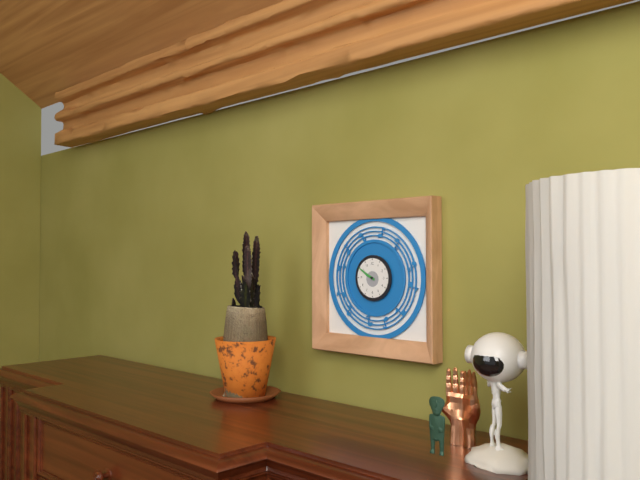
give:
9.50
